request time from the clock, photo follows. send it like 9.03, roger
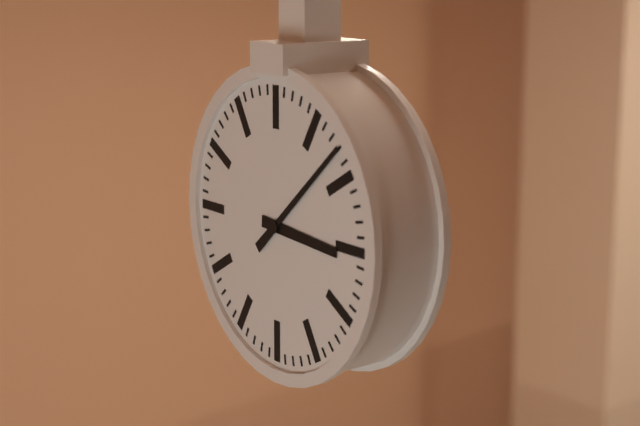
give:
3.08
